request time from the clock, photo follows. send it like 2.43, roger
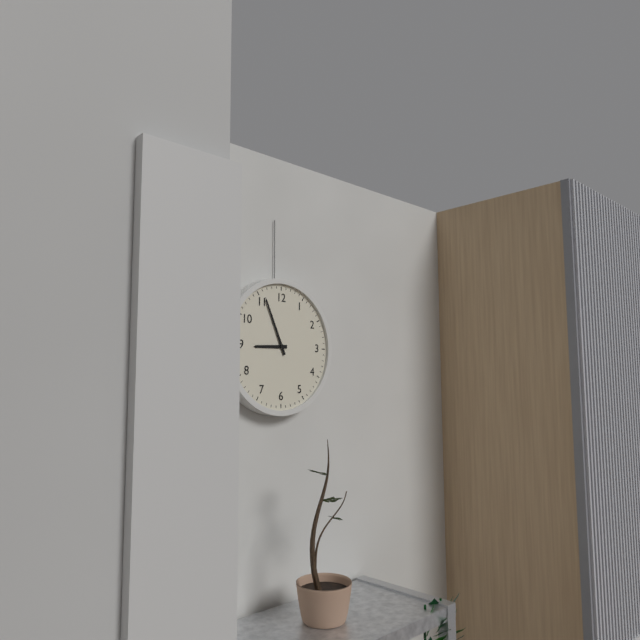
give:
8.56
